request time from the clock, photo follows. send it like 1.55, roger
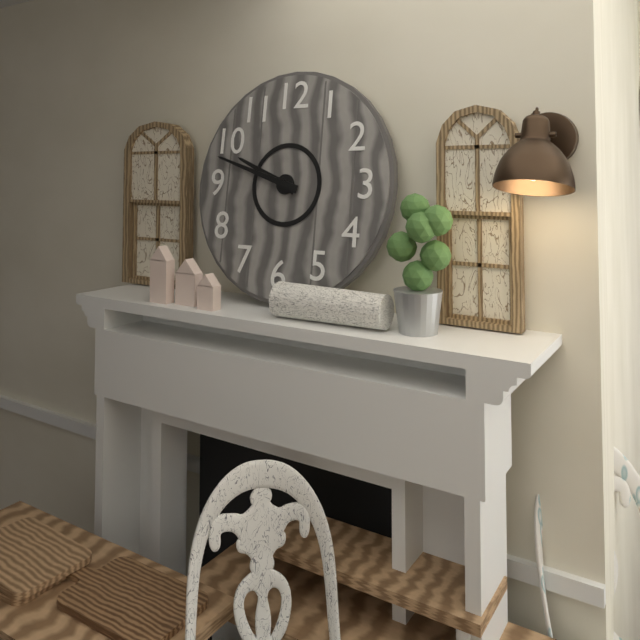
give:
9.48
